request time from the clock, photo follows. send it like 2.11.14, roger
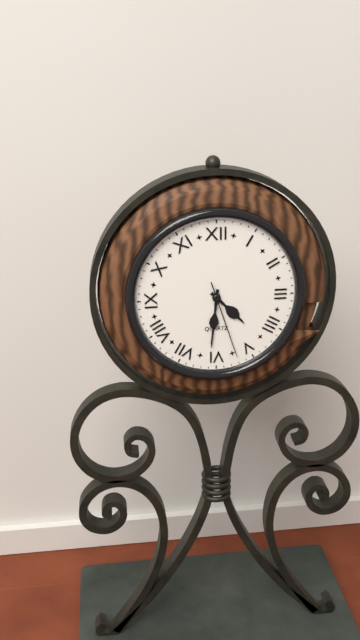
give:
4.31.27
